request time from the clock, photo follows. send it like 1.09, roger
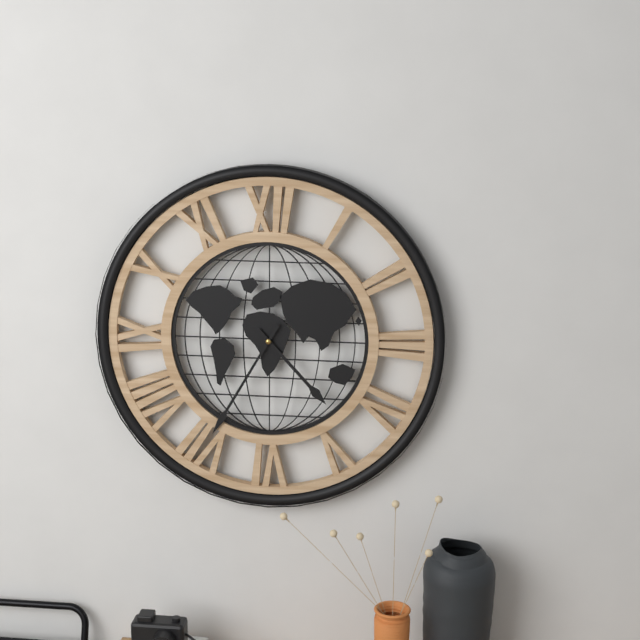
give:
4.35
